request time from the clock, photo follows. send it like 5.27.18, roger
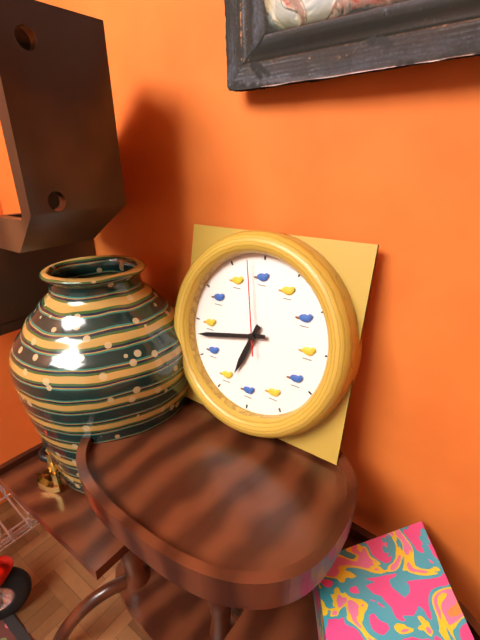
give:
6.43.58
